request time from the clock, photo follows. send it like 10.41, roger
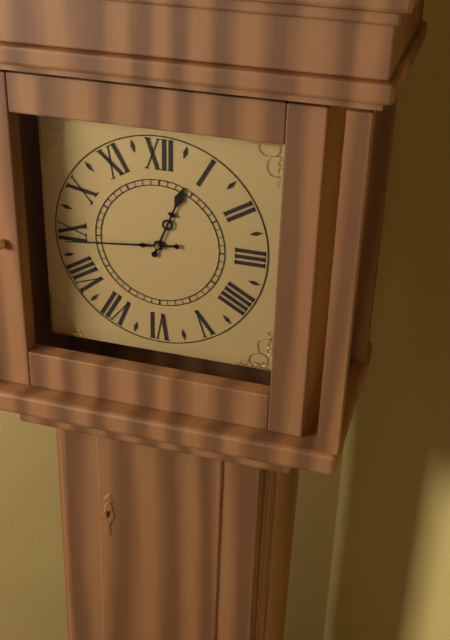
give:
12.44
